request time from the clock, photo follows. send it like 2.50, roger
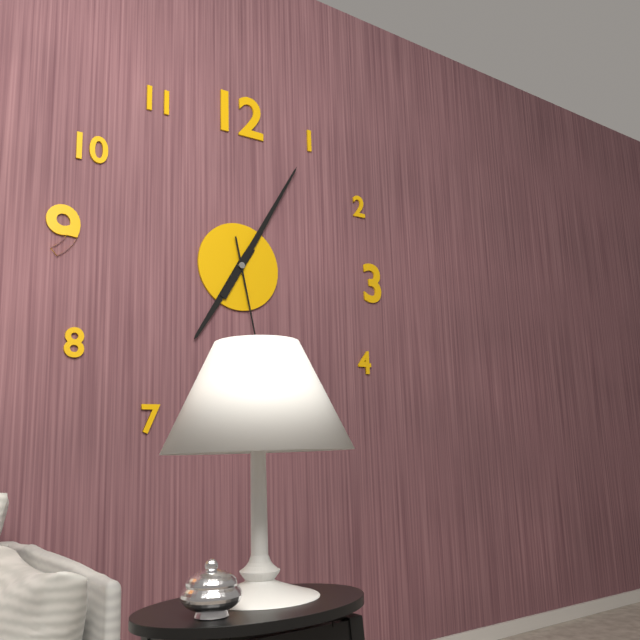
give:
7.05
